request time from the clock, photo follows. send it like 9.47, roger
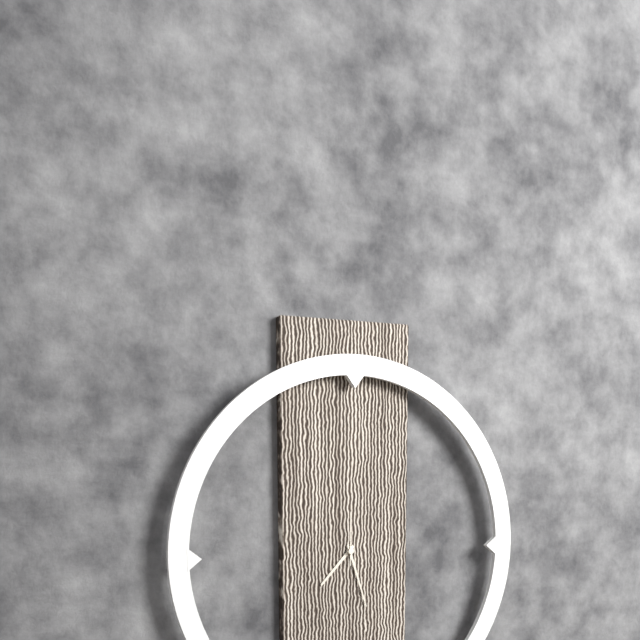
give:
7.27
